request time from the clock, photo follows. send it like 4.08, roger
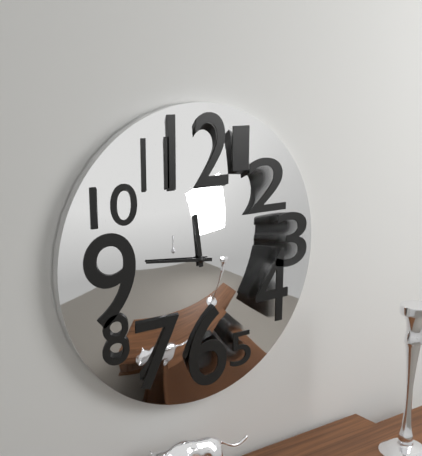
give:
11.46
